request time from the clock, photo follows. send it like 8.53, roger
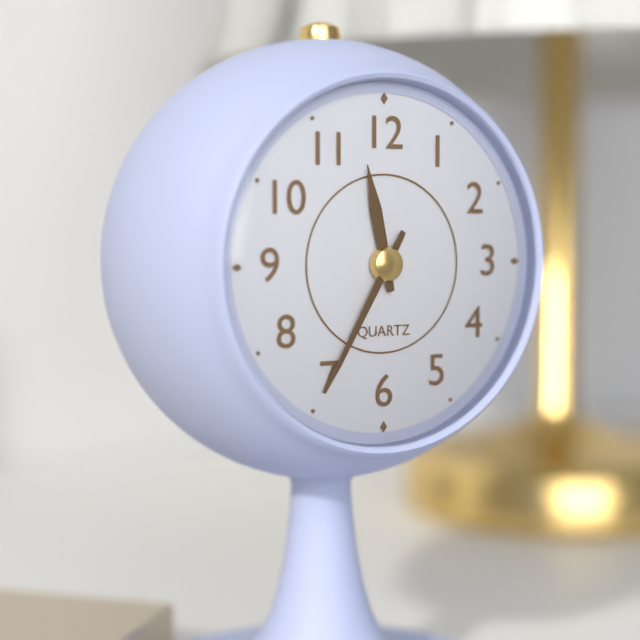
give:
11.35
